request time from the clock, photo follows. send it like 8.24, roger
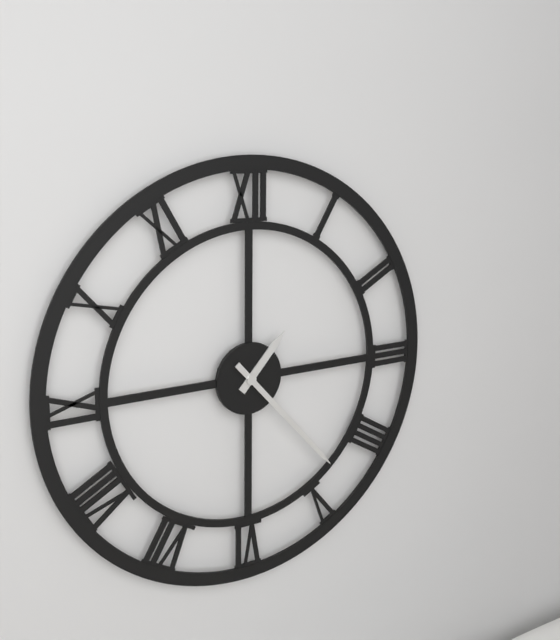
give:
1.23
